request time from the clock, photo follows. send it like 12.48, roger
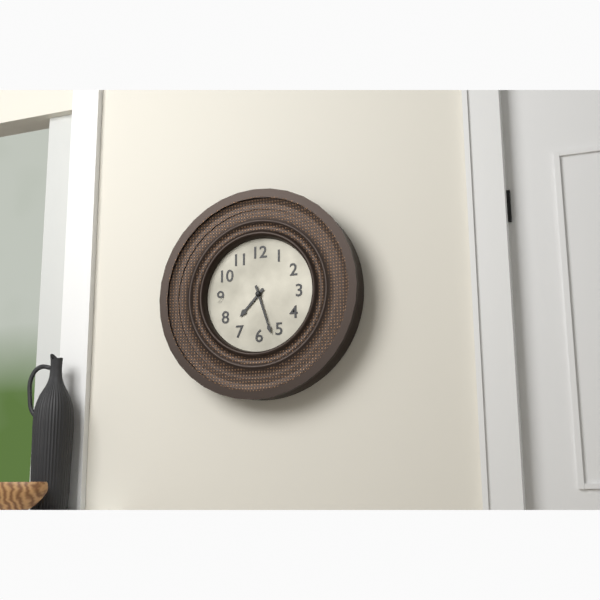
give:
7.27
